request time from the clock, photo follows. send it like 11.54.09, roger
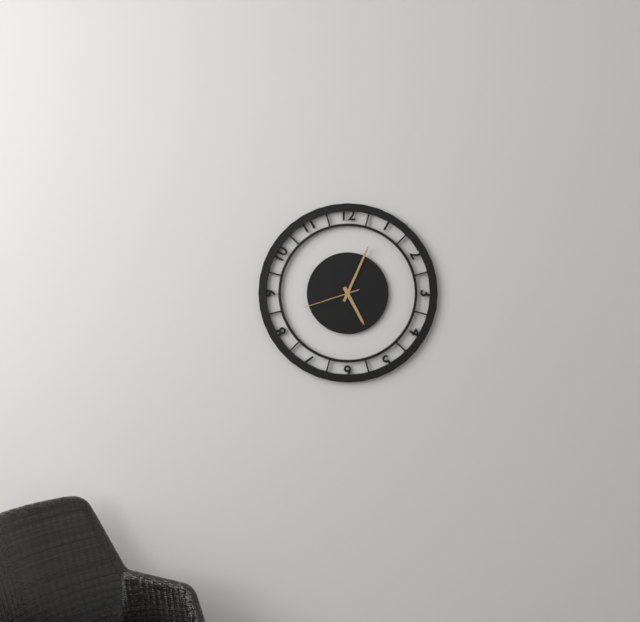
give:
5.04.42
